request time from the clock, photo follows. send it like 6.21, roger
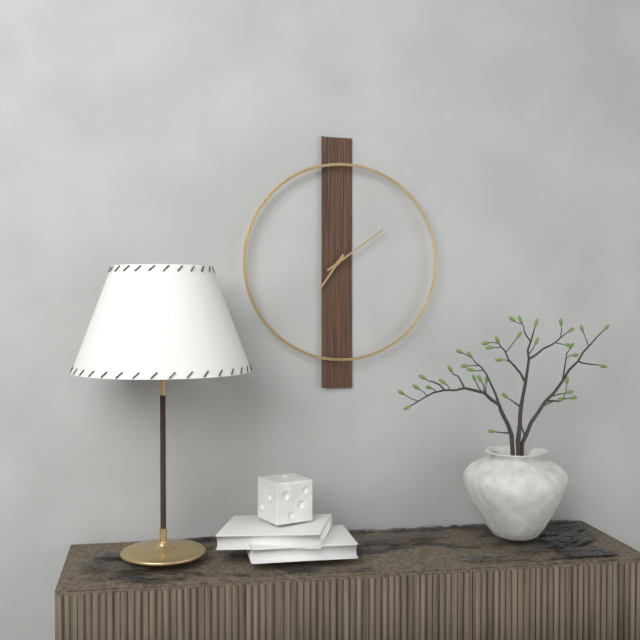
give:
7.09
